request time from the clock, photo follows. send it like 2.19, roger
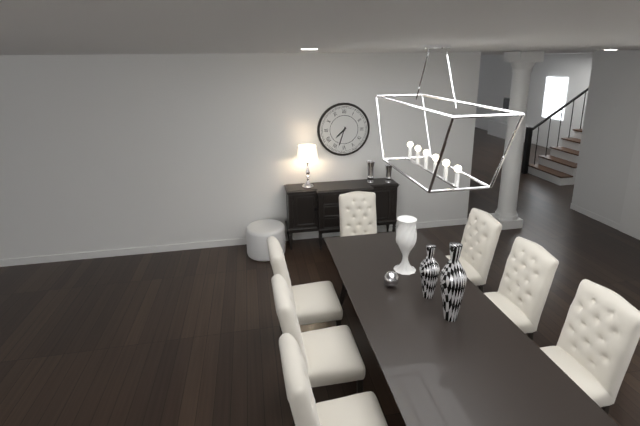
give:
7.33
